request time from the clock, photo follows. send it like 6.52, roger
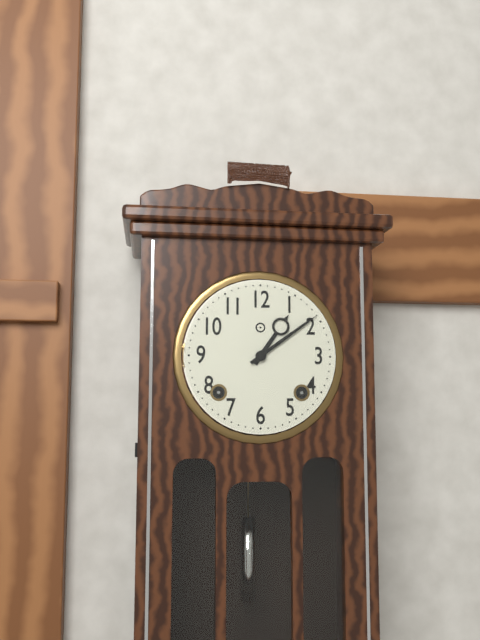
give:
1.09
